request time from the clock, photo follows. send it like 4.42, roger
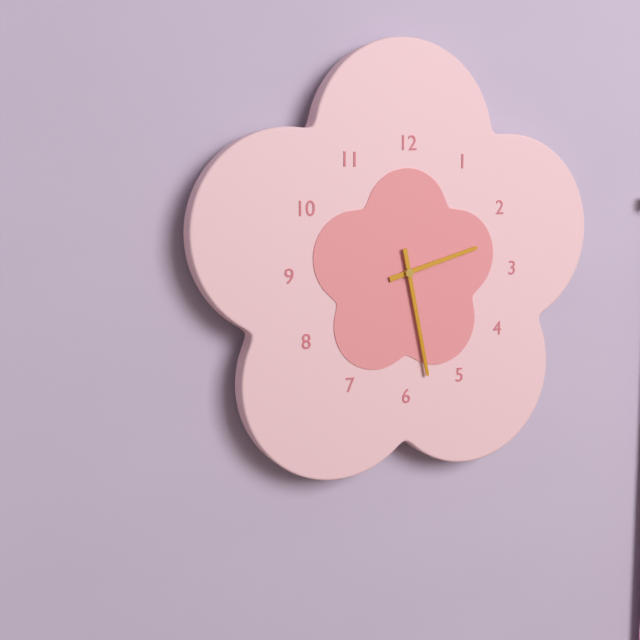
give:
2.28
